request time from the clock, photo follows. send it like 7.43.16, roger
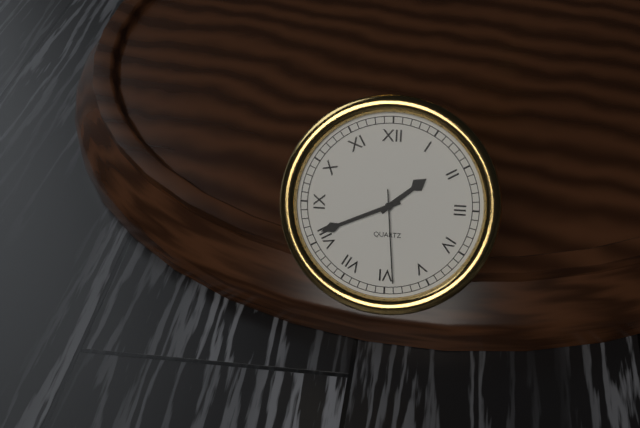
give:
1.41.29
